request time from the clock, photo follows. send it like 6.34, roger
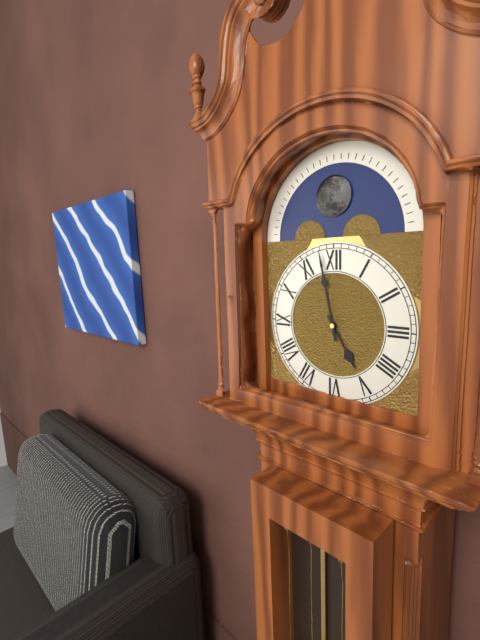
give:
4.58
